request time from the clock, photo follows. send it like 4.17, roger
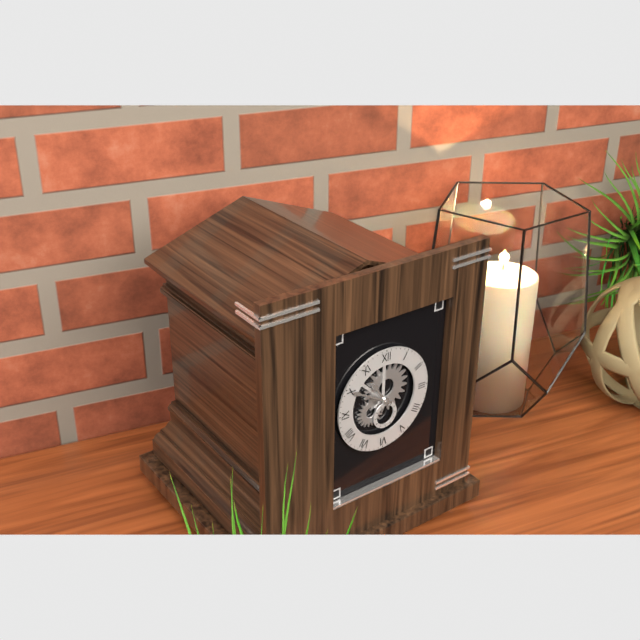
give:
10.50
